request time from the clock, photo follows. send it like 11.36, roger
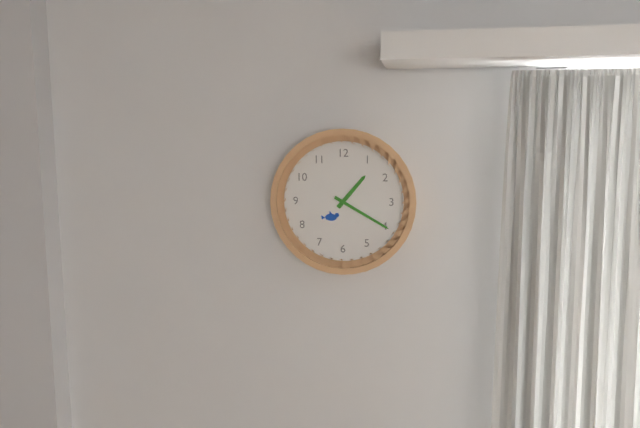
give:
1.20
